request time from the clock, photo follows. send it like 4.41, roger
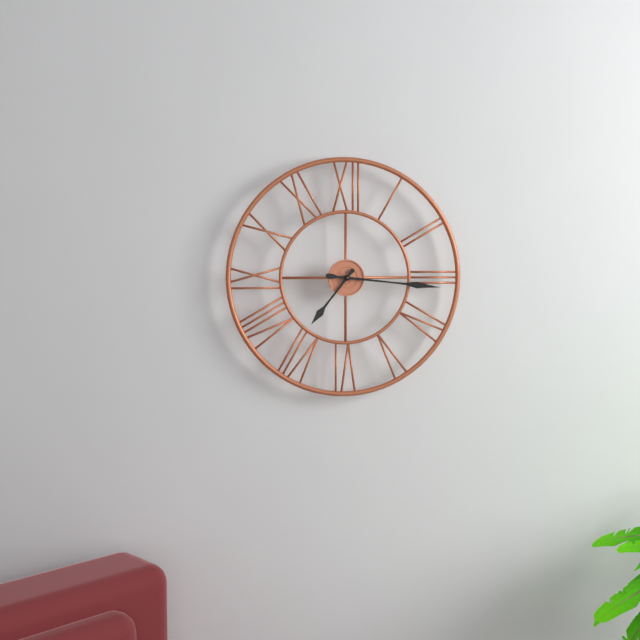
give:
7.16
